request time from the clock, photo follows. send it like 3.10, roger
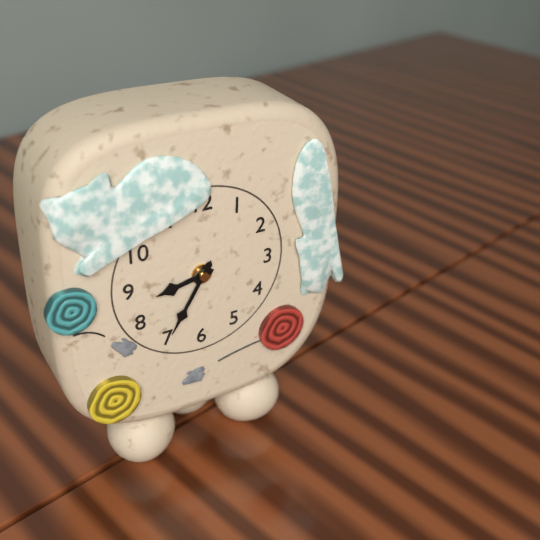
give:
8.35
